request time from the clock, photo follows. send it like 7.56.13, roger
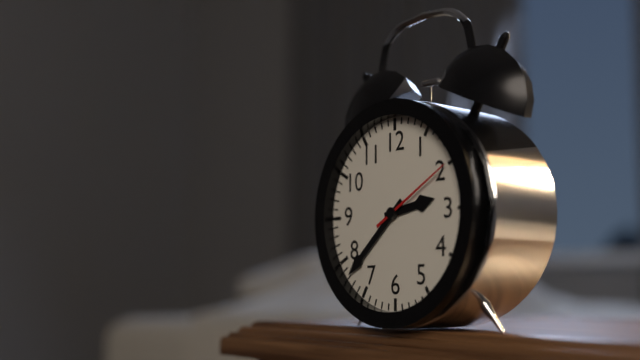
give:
2.38.10
